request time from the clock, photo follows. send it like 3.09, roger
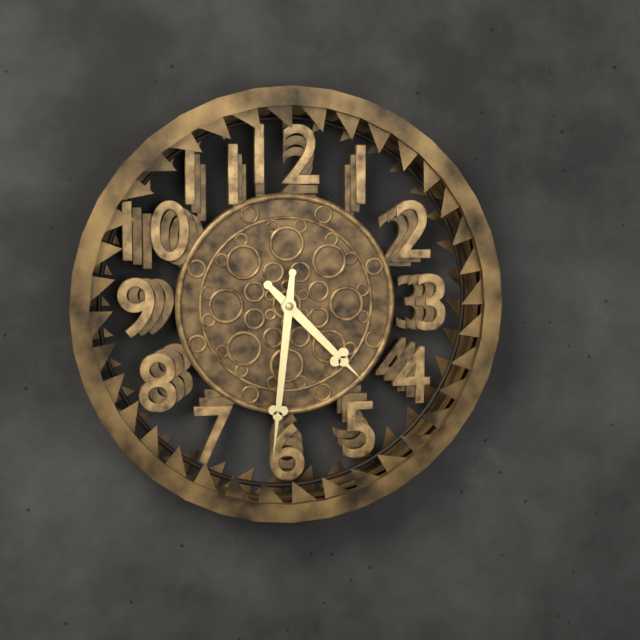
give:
4.31
